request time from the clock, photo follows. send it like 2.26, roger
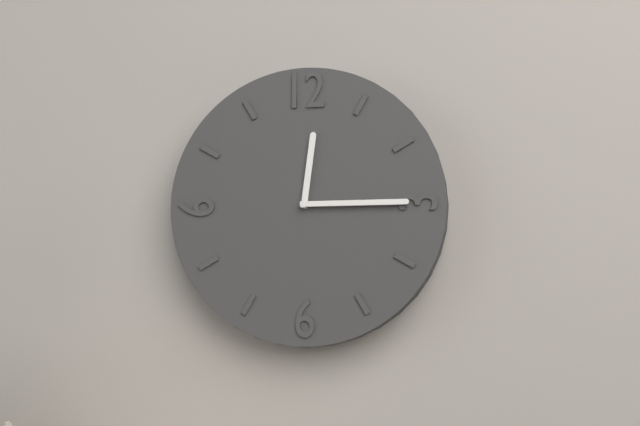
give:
12.15
